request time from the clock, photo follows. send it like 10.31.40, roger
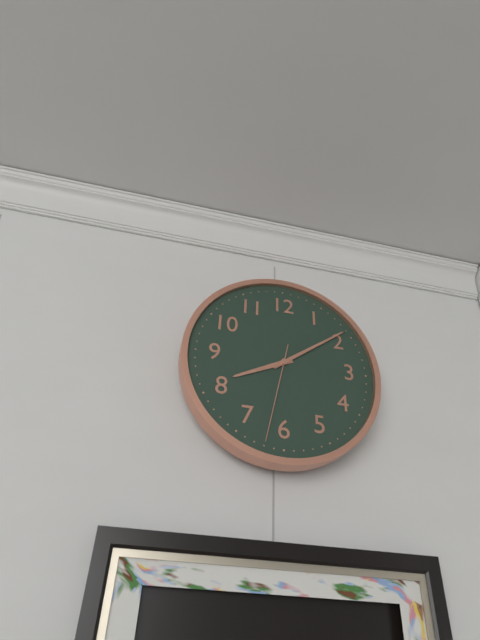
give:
8.09.32
